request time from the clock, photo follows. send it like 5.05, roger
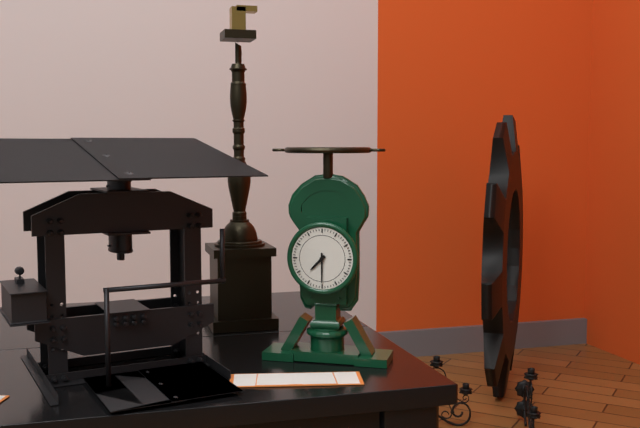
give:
7.30
